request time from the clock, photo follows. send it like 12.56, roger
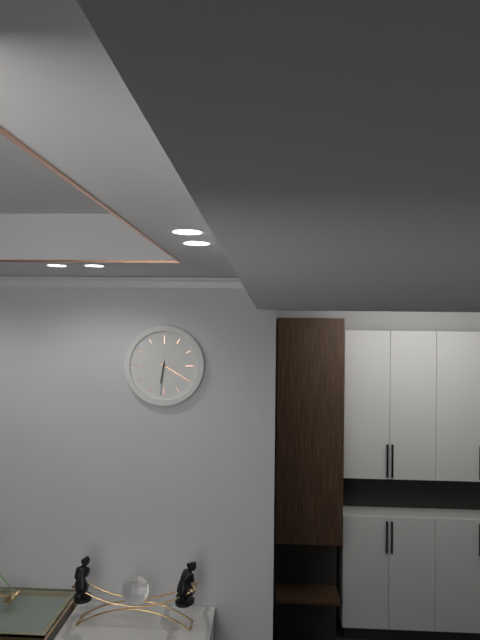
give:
6.20
